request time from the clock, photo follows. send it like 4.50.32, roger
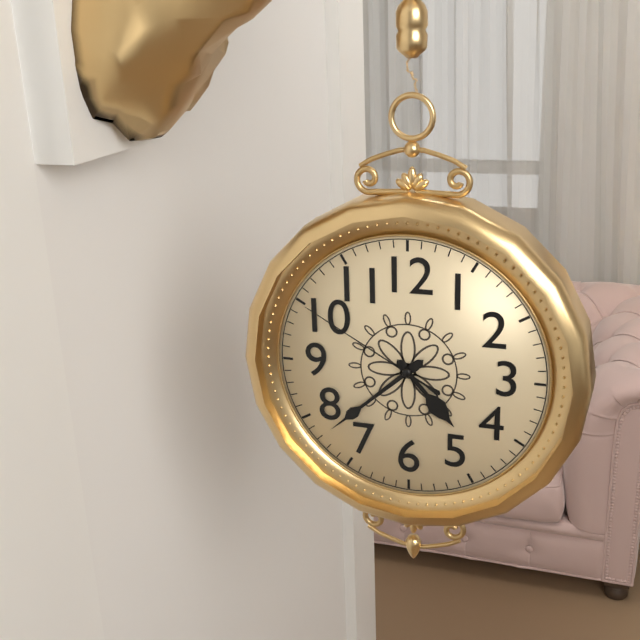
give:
4.38.50
